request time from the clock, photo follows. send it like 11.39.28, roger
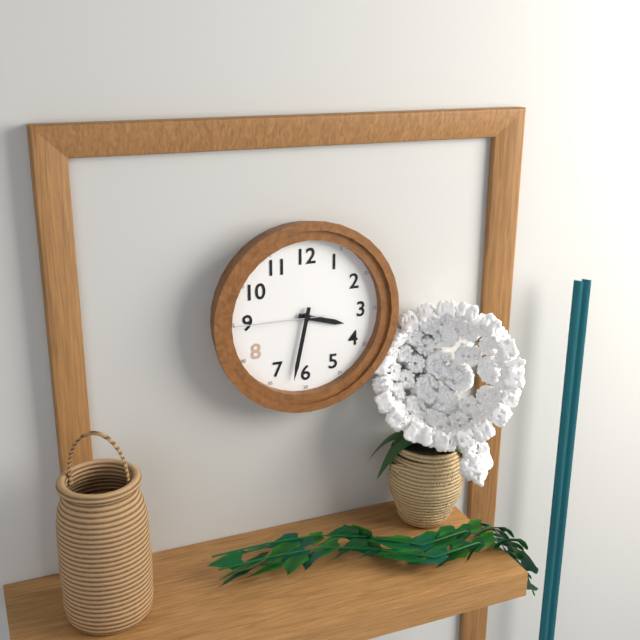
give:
3.32.45
